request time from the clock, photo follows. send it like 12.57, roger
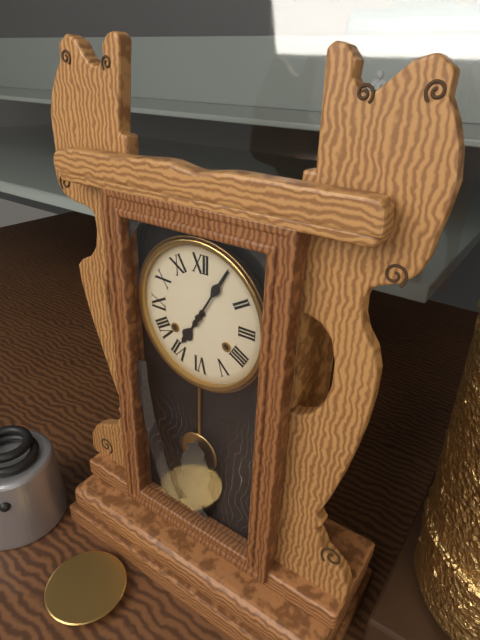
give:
7.05
